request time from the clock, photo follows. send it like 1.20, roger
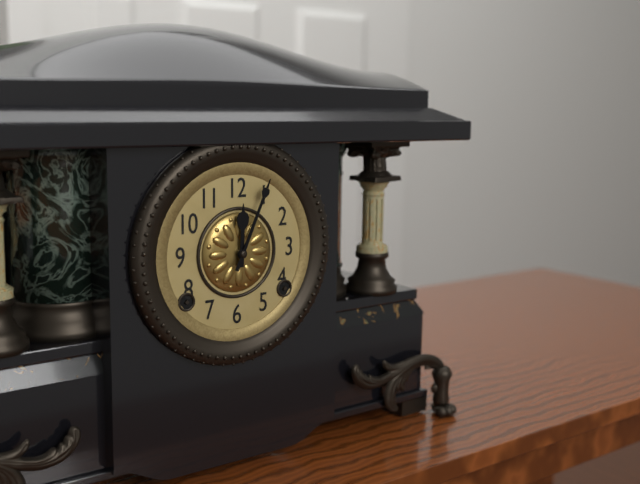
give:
12.04
